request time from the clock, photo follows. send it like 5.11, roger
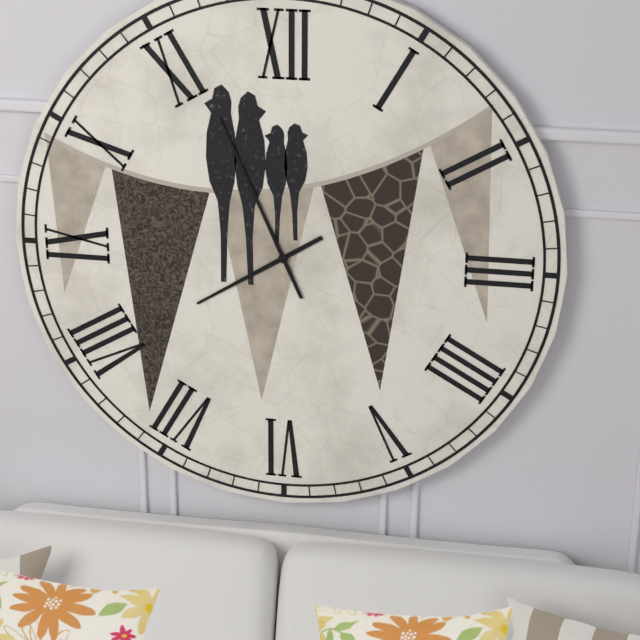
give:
7.56
